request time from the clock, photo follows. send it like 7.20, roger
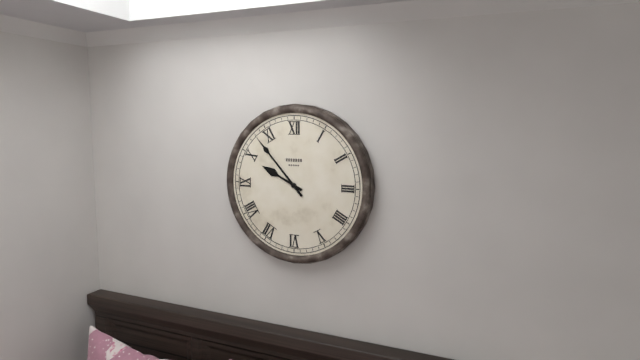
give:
9.53
